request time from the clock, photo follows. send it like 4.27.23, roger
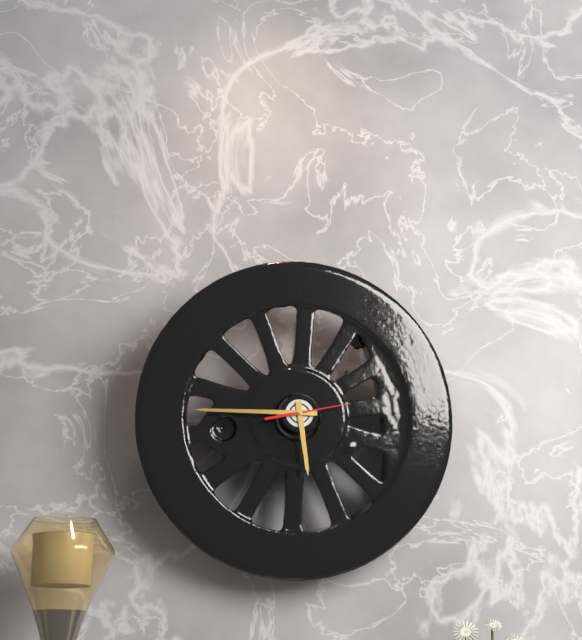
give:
5.45.13
